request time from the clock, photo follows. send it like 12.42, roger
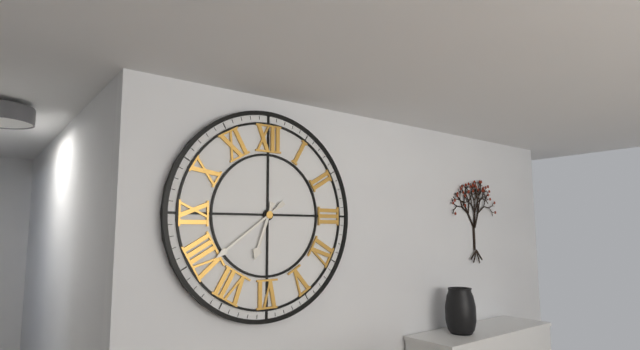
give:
6.39
